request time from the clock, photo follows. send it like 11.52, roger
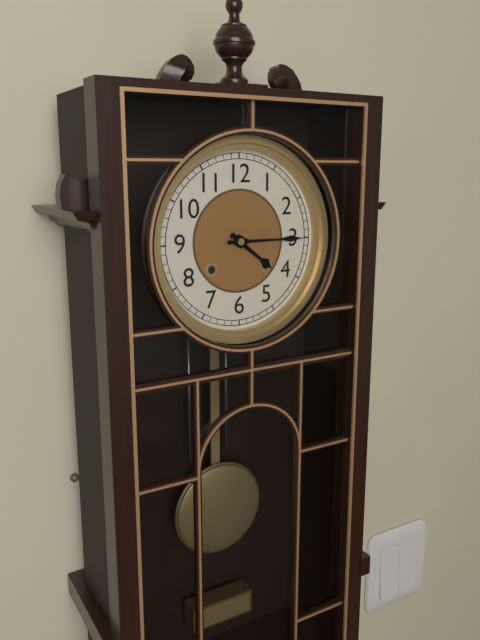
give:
4.15
